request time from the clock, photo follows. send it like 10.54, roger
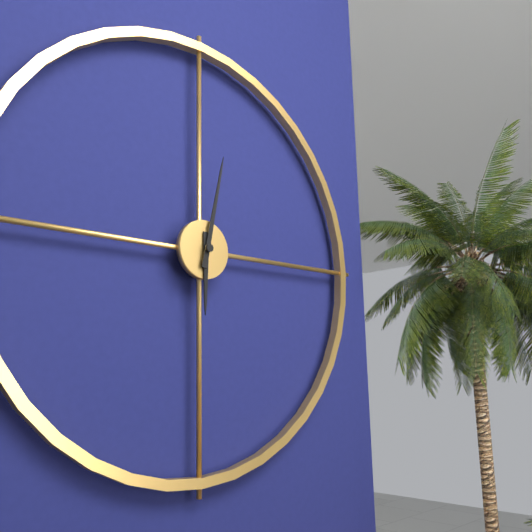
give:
6.02
